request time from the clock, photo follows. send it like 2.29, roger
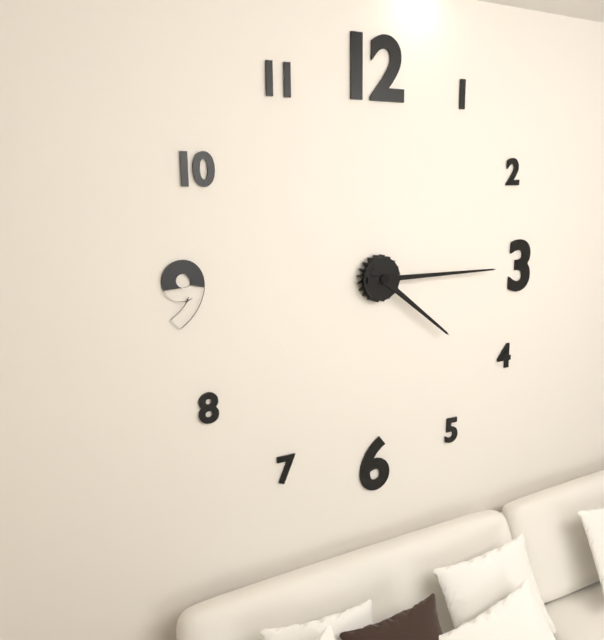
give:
4.15
